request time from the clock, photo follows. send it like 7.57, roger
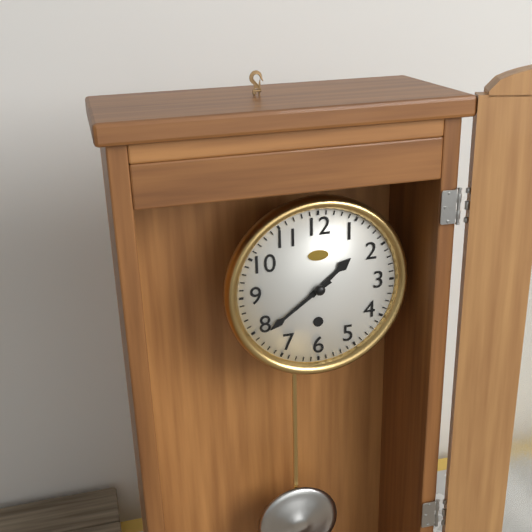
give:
1.39
